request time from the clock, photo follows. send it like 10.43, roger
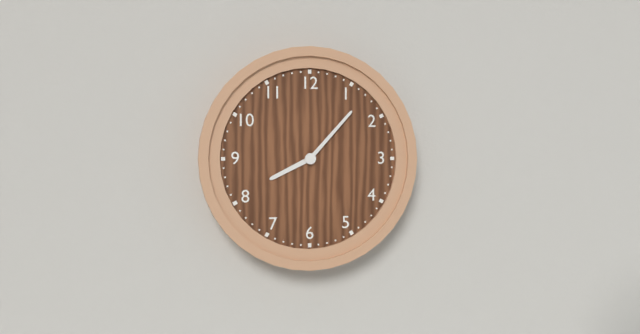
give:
8.07
